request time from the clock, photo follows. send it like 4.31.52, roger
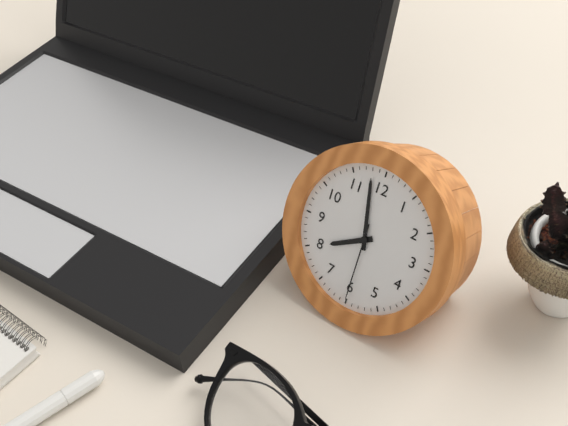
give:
7.58.30
